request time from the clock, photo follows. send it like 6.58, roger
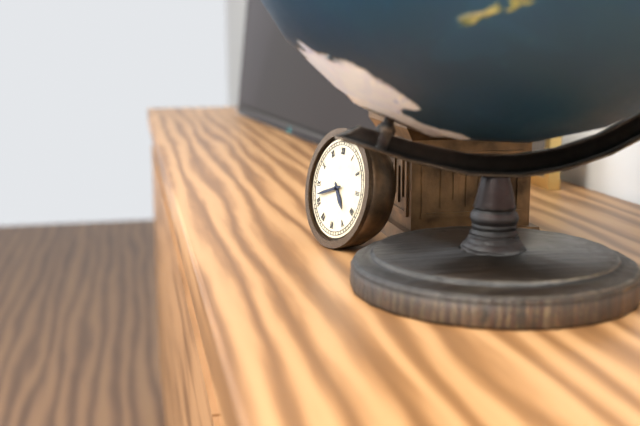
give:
4.42
